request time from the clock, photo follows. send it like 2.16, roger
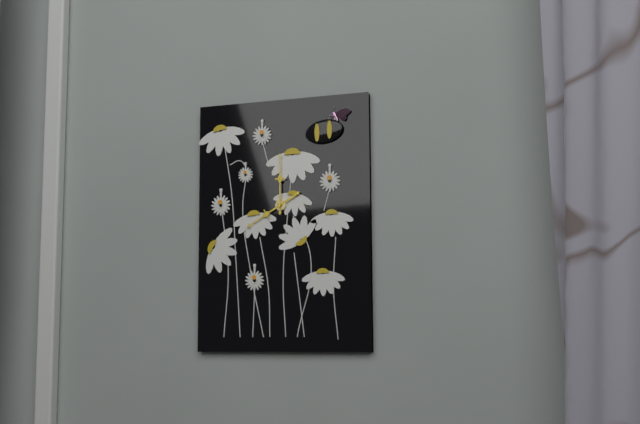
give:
8.00
